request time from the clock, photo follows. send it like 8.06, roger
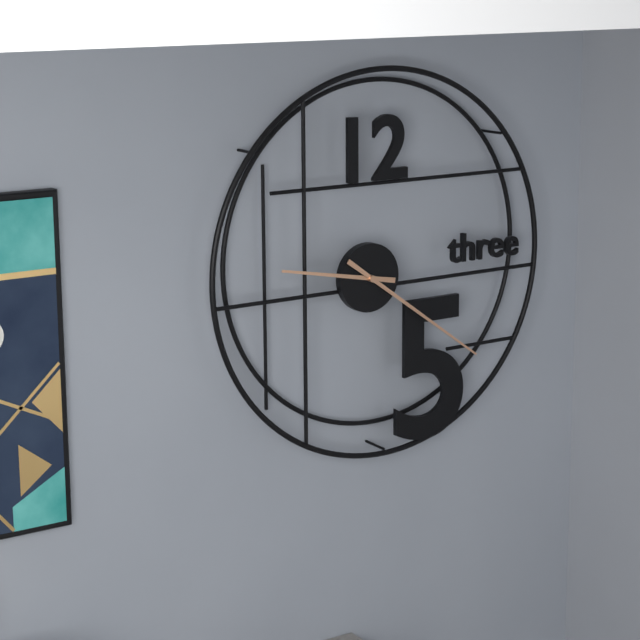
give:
9.21
